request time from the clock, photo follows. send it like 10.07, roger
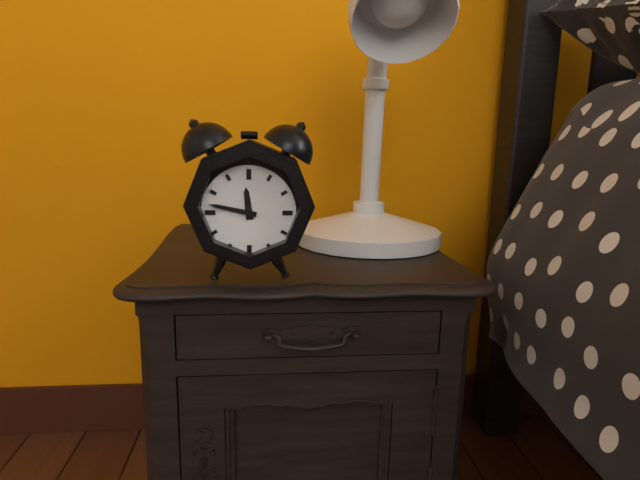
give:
11.47
